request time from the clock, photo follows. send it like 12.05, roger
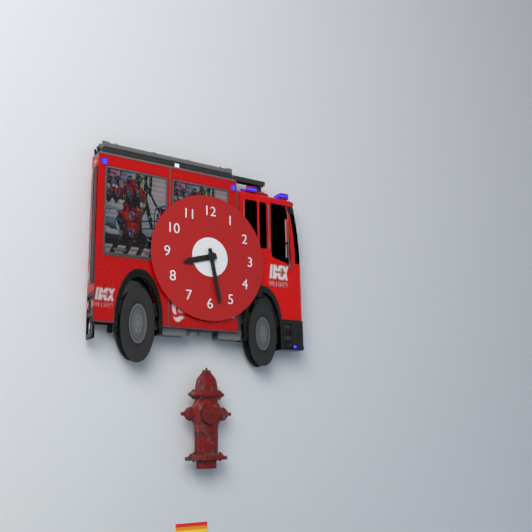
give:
8.28
